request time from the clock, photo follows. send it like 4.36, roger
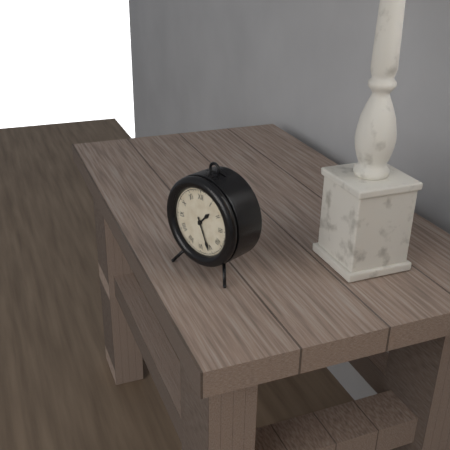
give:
1.26
